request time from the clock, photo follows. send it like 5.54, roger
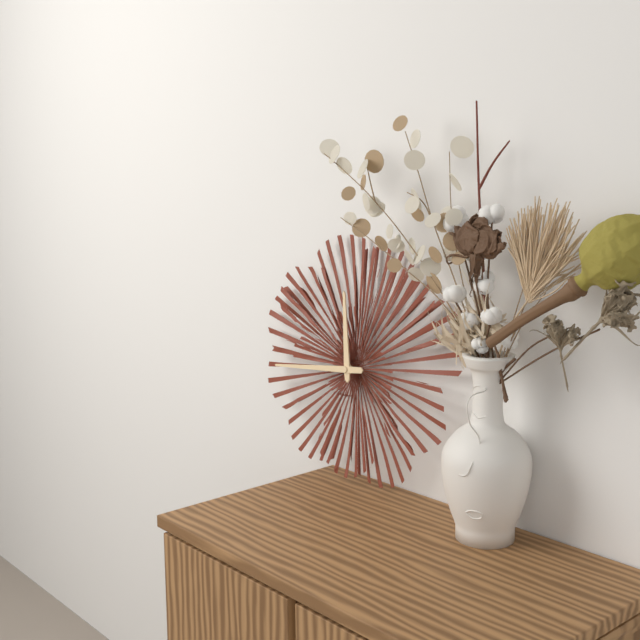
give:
11.44
